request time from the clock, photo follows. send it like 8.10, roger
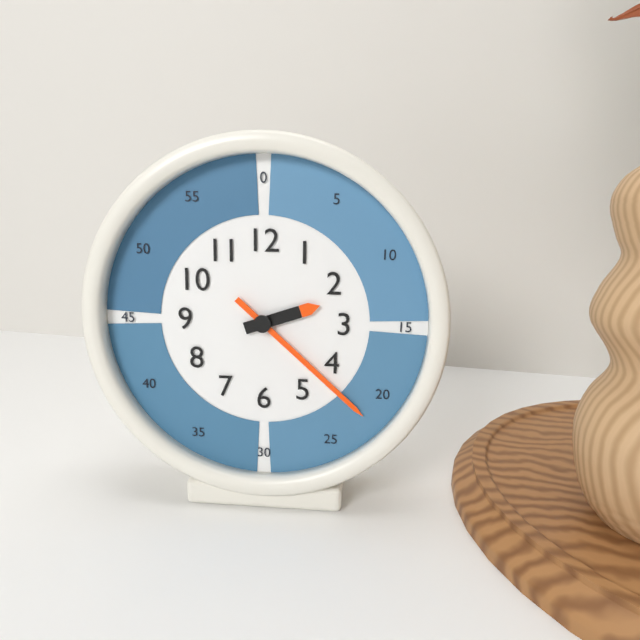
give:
2.22
